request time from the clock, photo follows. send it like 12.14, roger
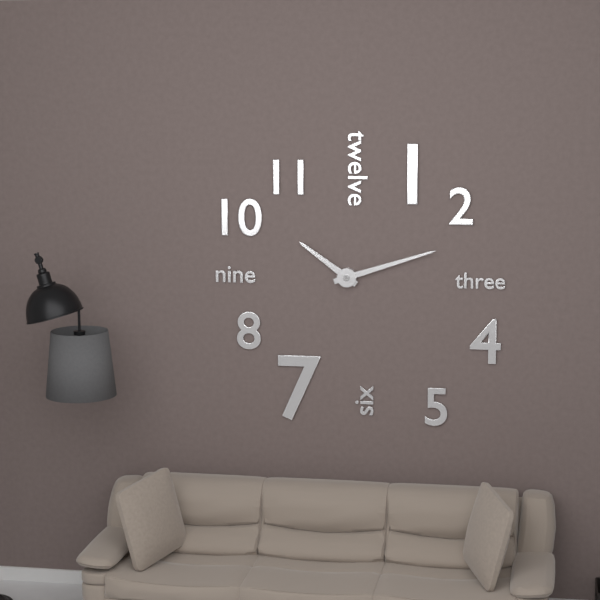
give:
10.12
